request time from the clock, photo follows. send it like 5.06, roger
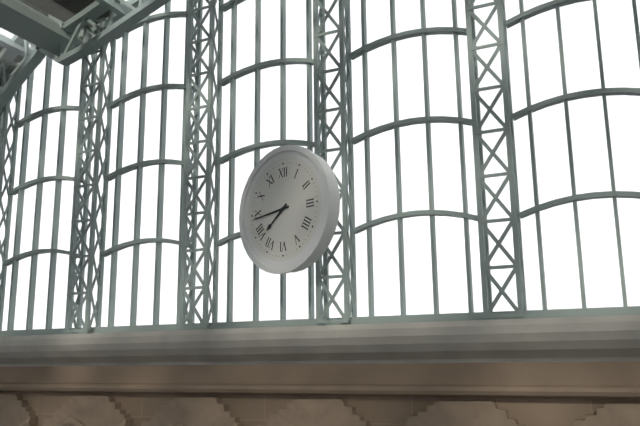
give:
7.44
